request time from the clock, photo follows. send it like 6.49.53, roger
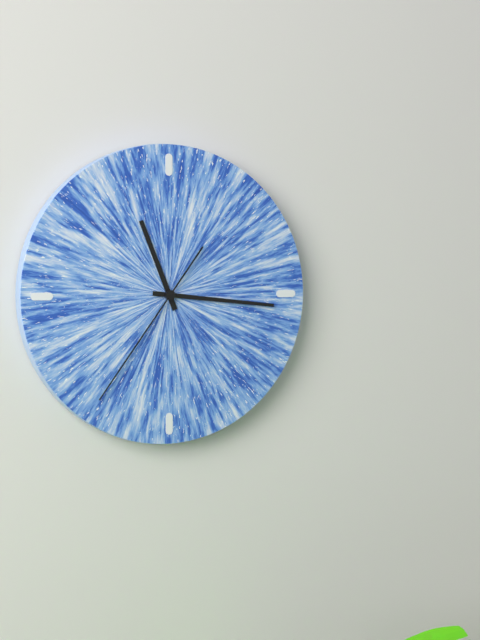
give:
11.16.36
